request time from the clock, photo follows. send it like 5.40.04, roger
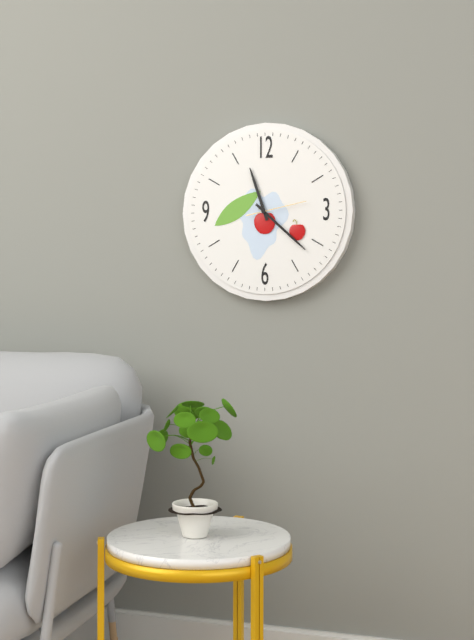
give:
11.22.13
